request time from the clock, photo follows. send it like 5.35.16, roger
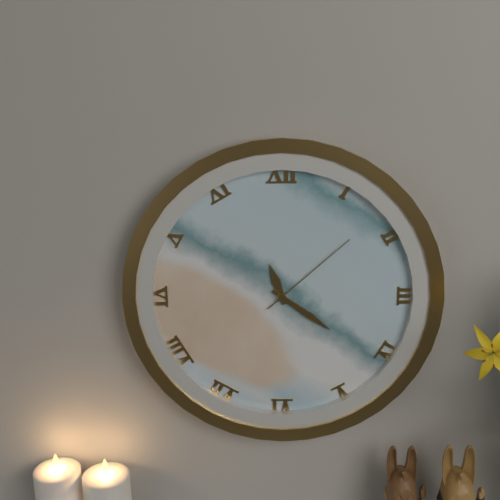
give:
11.21.08
